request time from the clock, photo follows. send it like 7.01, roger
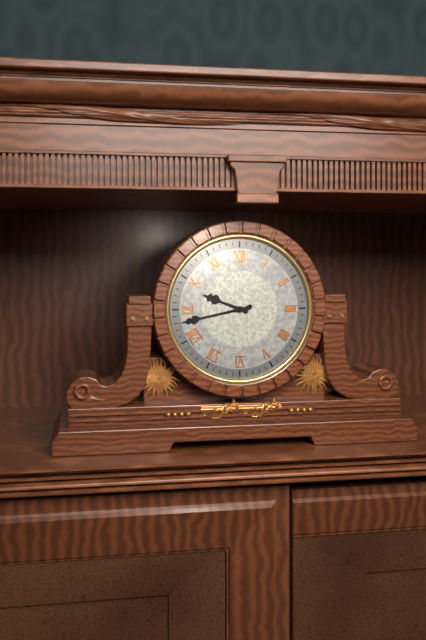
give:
9.43
